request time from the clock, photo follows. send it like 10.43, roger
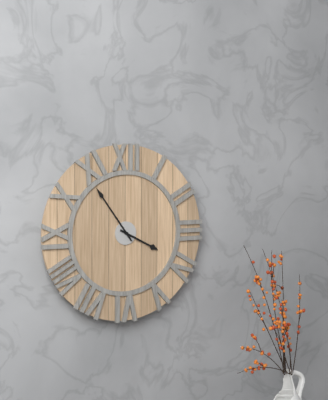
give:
3.54
